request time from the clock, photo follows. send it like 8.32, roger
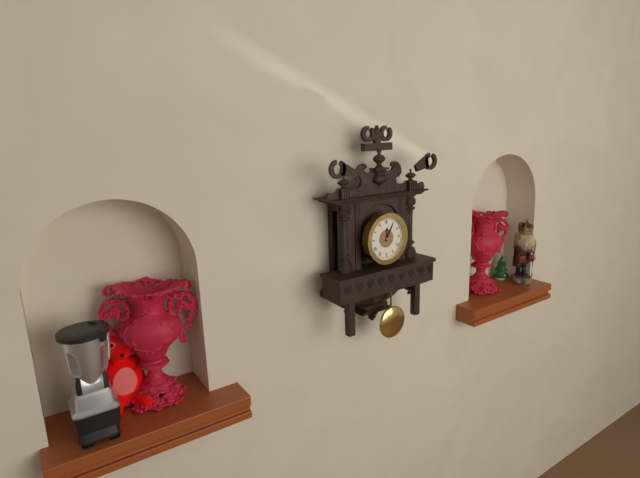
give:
12.05
